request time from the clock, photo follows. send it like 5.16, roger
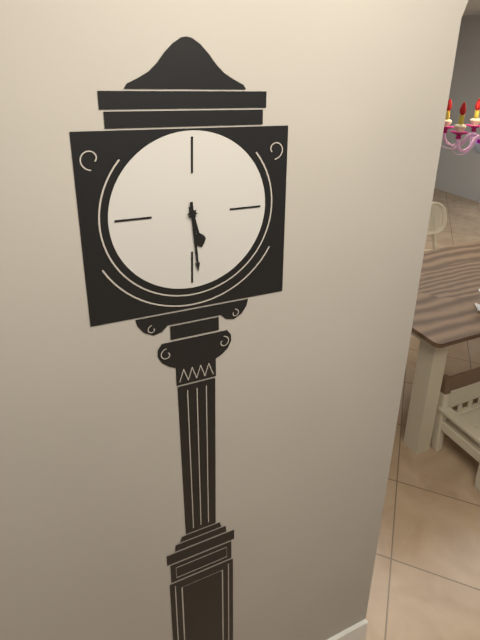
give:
5.29
